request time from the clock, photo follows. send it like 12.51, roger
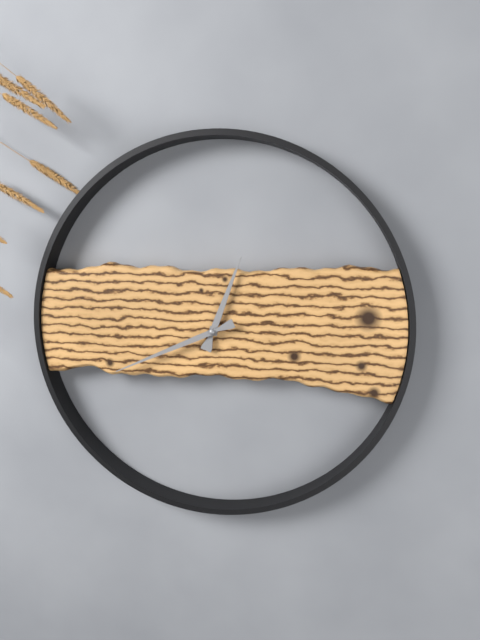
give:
12.41
